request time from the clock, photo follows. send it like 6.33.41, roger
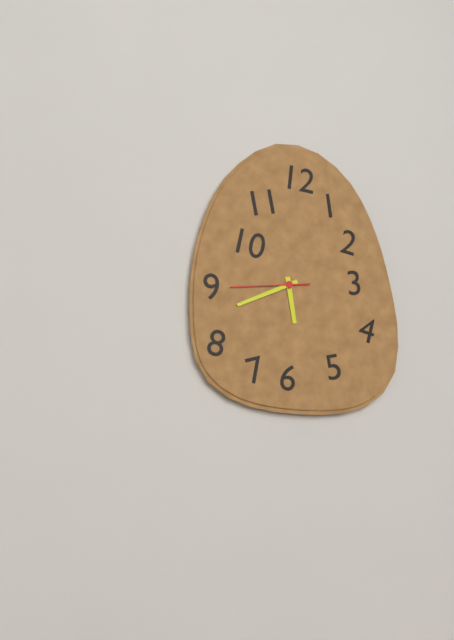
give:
5.41.44
